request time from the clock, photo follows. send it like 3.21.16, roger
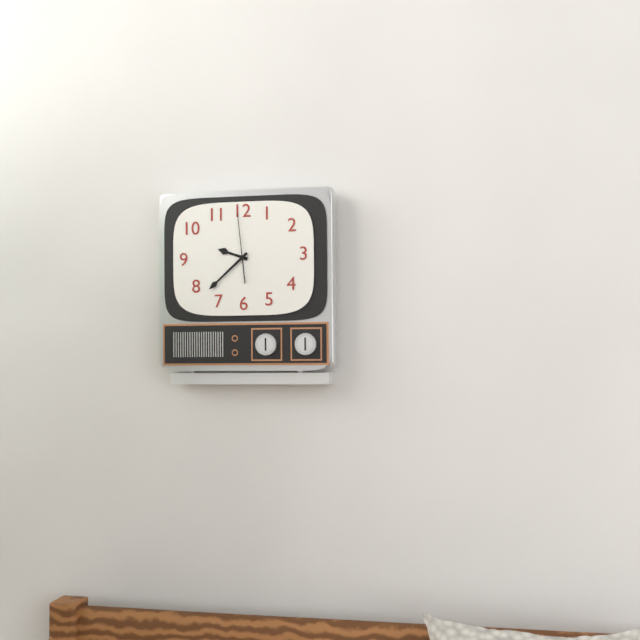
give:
9.38.59
